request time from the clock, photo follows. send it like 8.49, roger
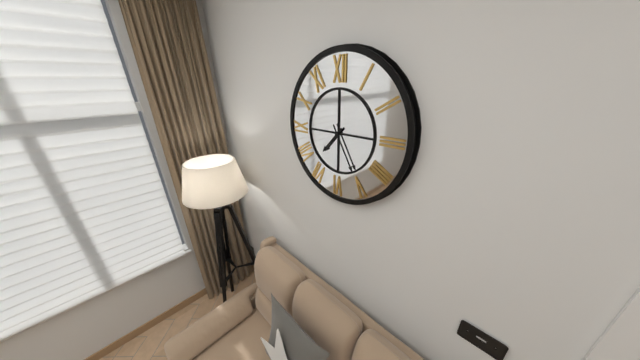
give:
7.25
